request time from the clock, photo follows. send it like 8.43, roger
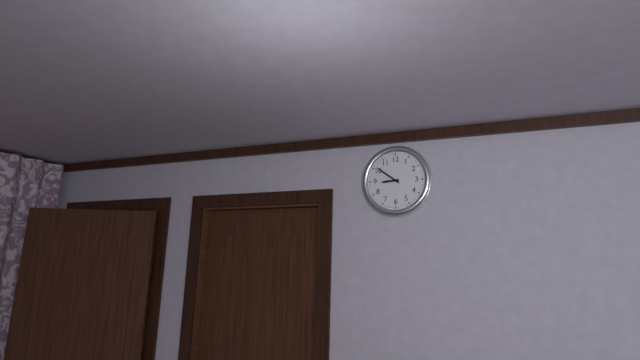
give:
8.51
